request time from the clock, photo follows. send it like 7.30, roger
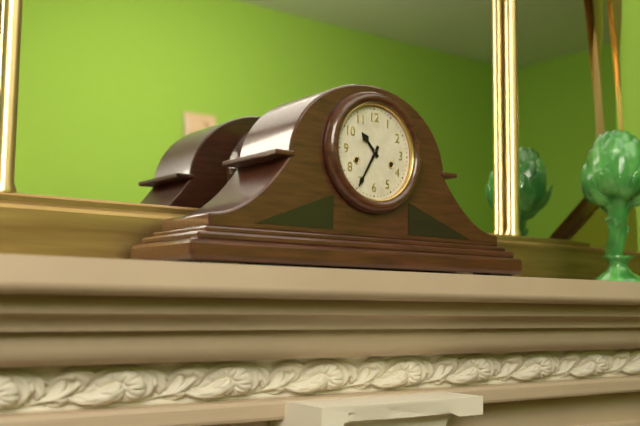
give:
10.35
